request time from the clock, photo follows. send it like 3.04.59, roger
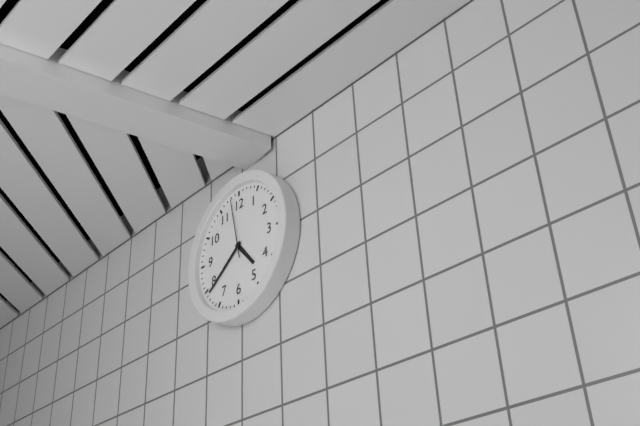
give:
4.39.58
